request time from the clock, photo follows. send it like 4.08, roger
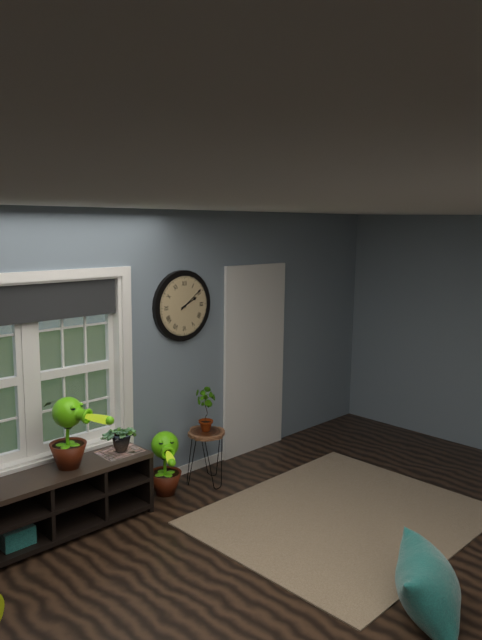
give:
2.09
